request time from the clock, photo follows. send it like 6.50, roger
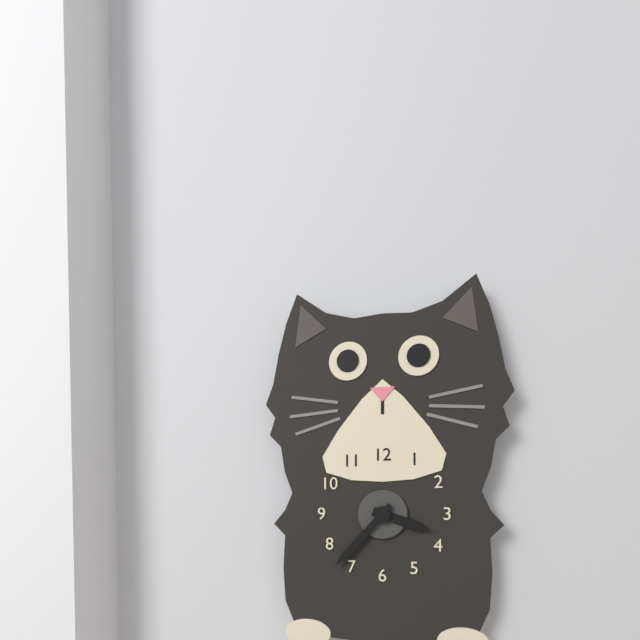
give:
3.37
